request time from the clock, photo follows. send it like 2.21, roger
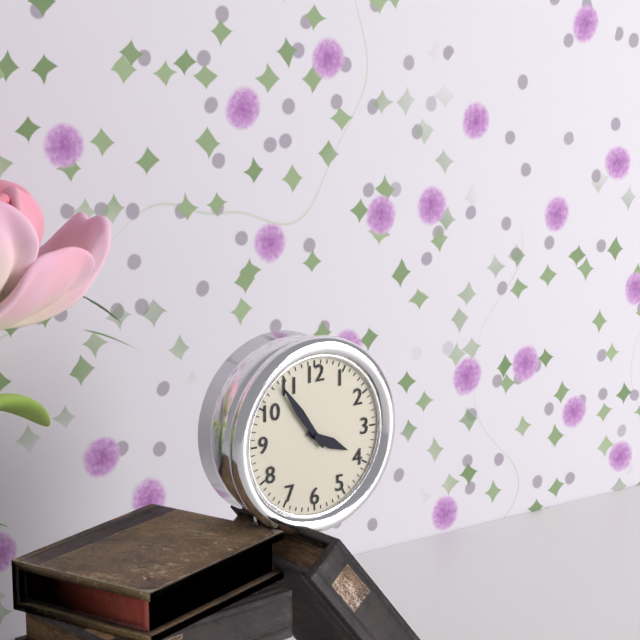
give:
3.54
